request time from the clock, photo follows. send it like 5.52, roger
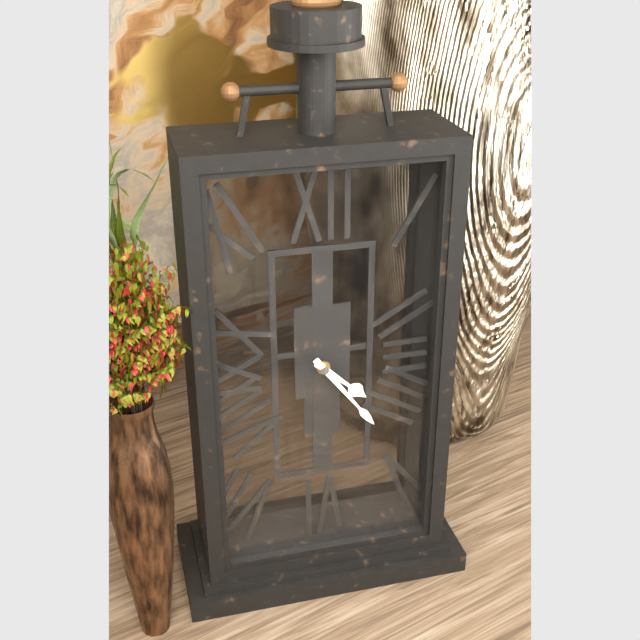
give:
4.24
